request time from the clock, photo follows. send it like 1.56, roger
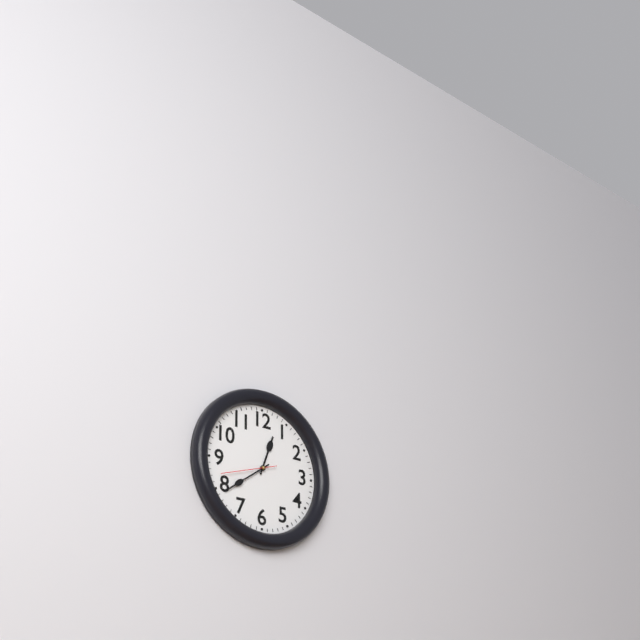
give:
12.39
